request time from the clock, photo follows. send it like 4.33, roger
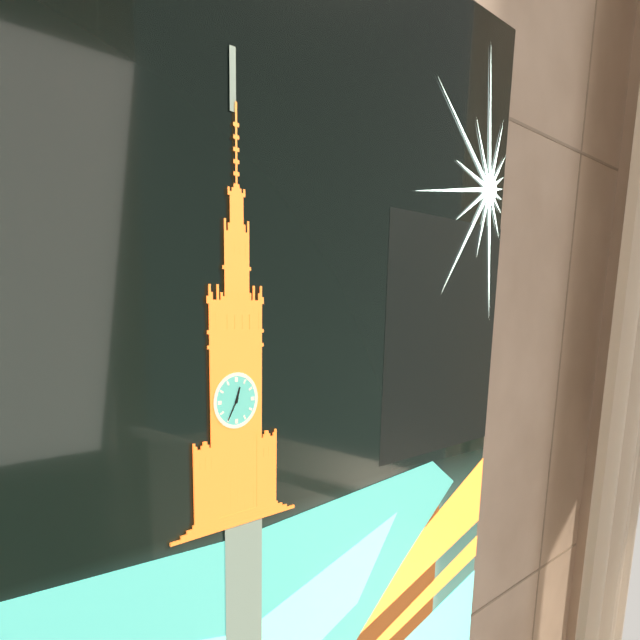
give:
12.35
